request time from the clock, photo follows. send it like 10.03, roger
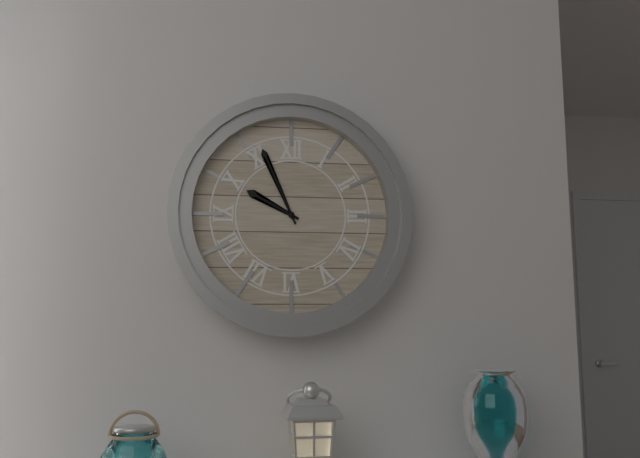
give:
9.56
